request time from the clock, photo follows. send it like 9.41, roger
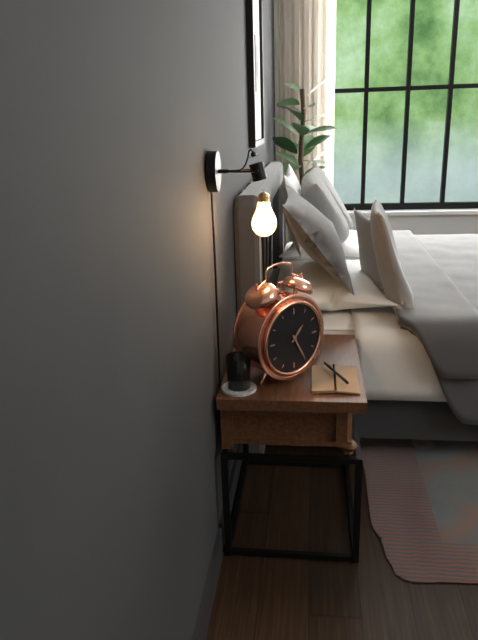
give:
1.25
